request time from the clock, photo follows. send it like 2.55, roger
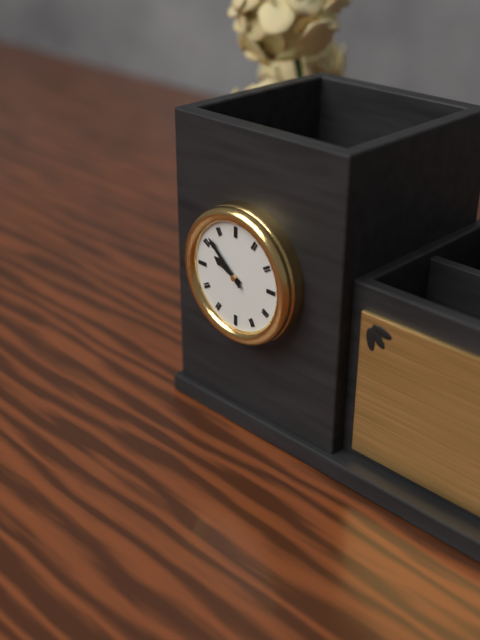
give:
9.52
